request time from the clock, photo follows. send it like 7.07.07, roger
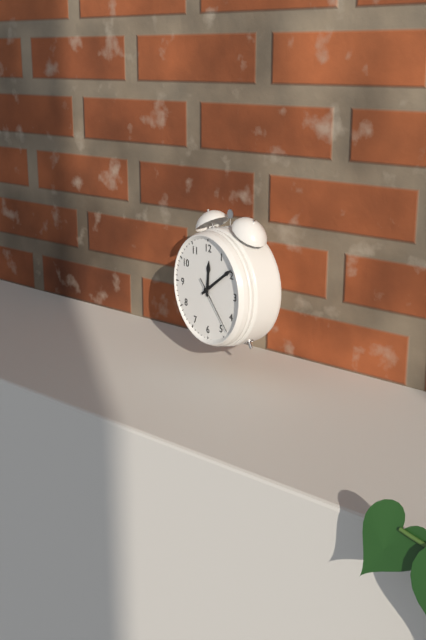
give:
12.09.23
